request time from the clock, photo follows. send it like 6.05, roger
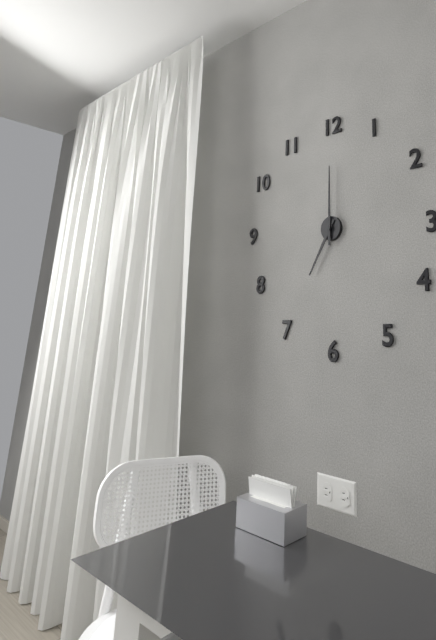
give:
7.00
